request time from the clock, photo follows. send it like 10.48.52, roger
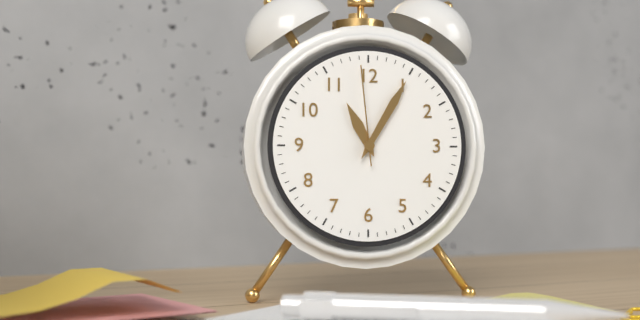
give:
11.05.59
